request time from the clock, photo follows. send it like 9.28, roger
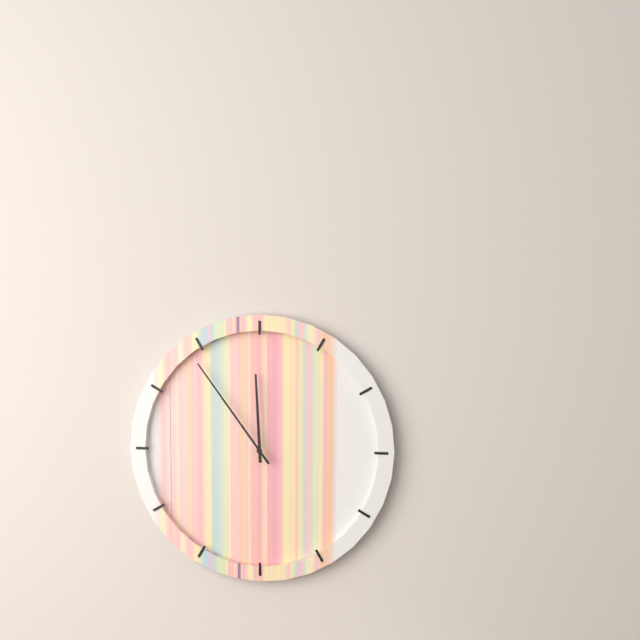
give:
11.54
